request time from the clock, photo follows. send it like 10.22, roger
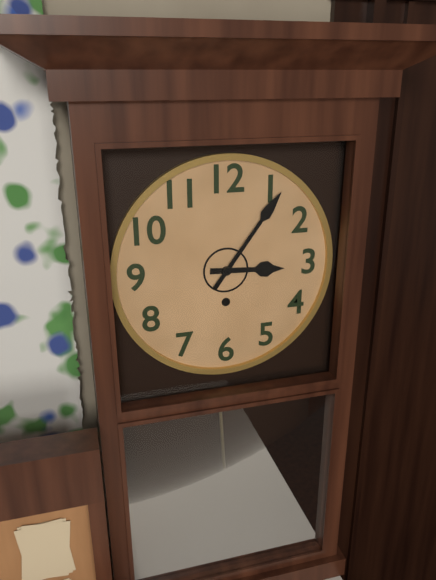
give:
3.06
